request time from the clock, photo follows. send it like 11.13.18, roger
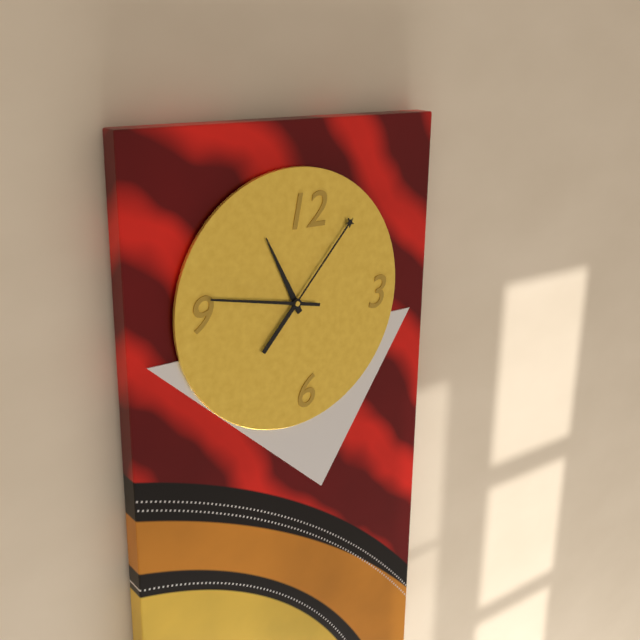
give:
11.07.47
